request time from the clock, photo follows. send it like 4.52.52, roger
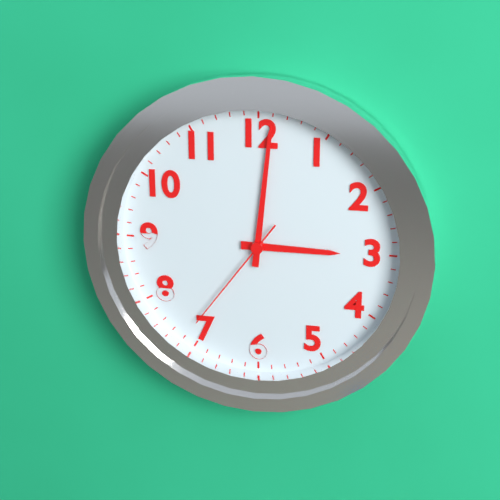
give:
3.01.36
